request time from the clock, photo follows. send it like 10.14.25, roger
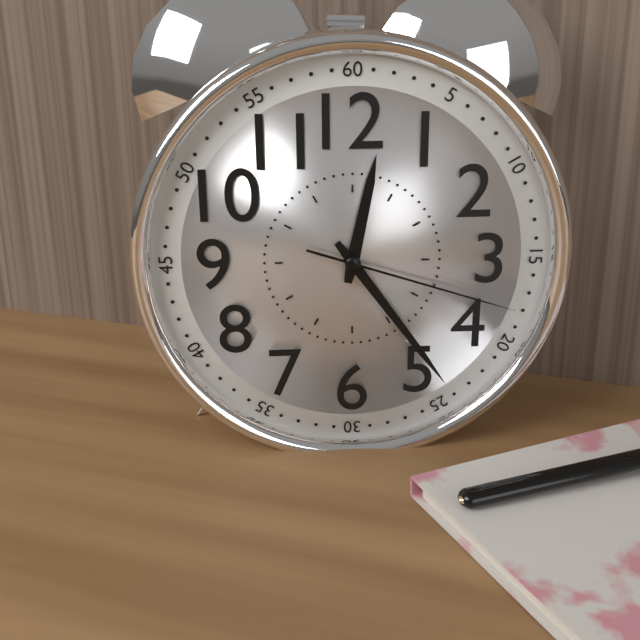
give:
12.24.18
